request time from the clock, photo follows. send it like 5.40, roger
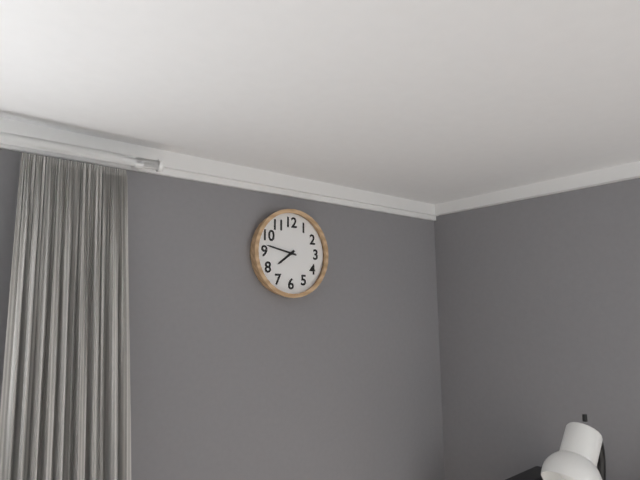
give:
7.47
